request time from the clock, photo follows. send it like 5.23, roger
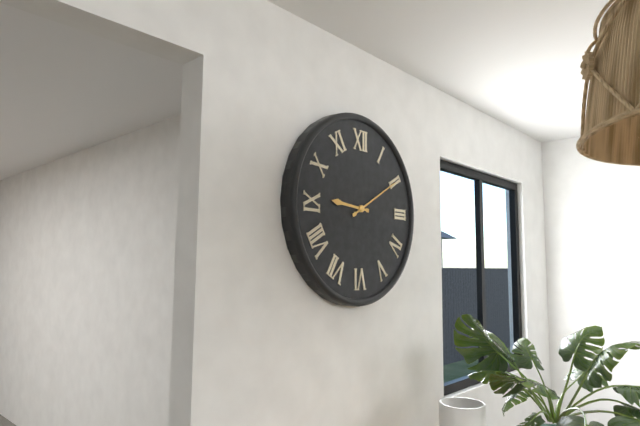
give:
9.10
